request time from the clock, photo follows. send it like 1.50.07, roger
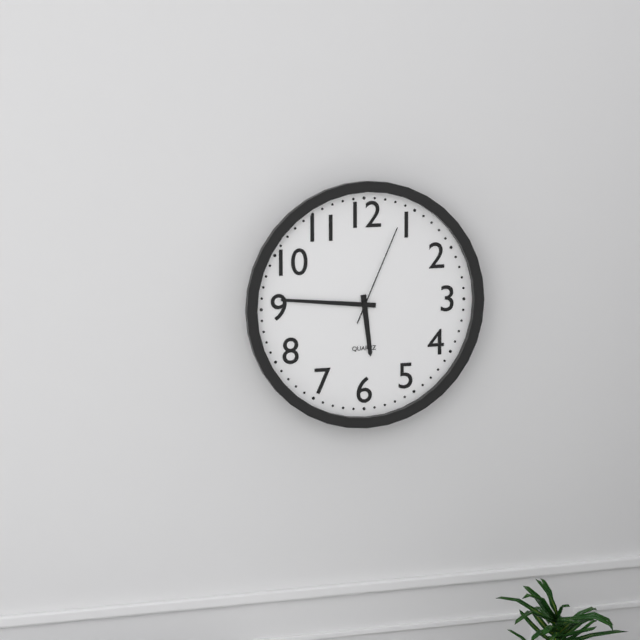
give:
5.46.04
